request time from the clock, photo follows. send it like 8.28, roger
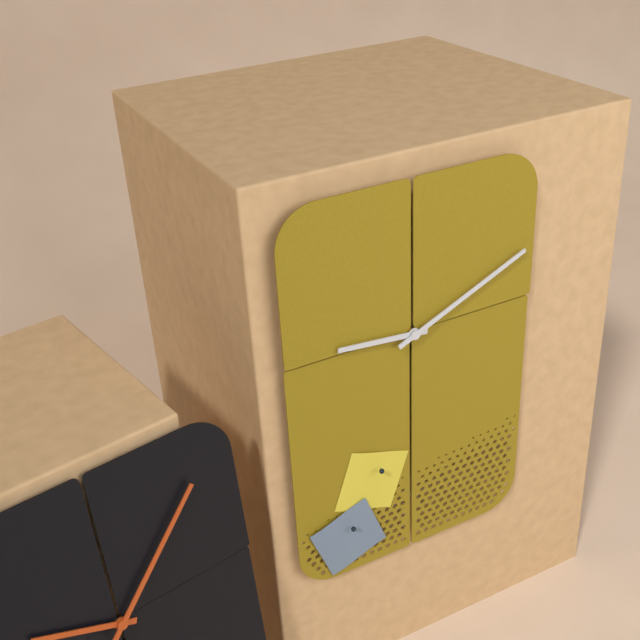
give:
9.11
